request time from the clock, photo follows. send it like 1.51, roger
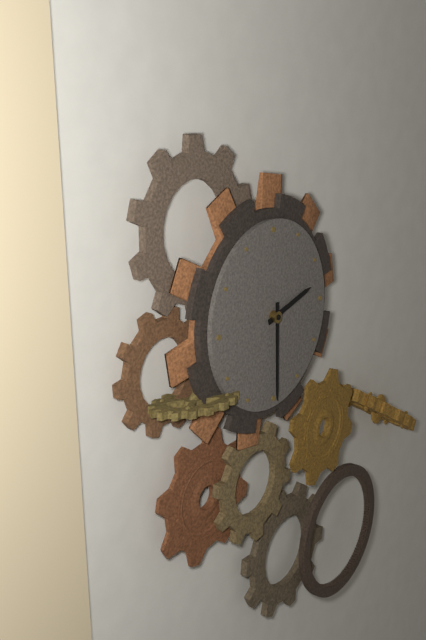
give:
2.30
